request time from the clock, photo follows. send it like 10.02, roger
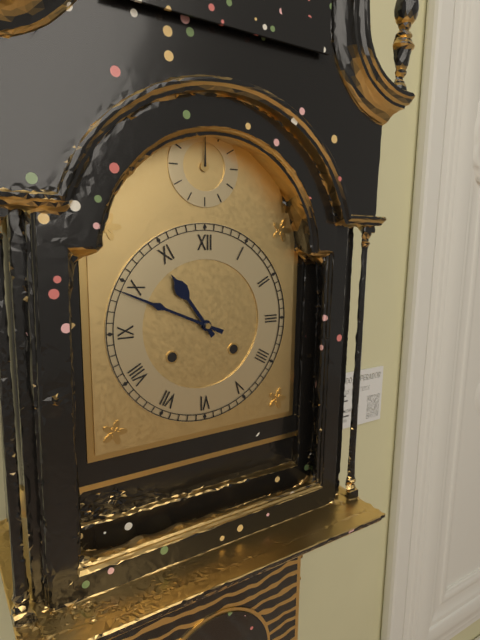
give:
10.49
